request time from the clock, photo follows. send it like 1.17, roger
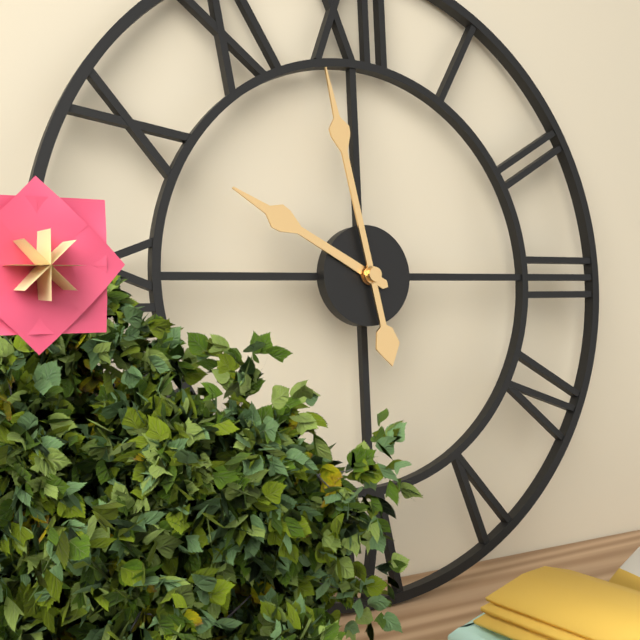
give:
9.58
